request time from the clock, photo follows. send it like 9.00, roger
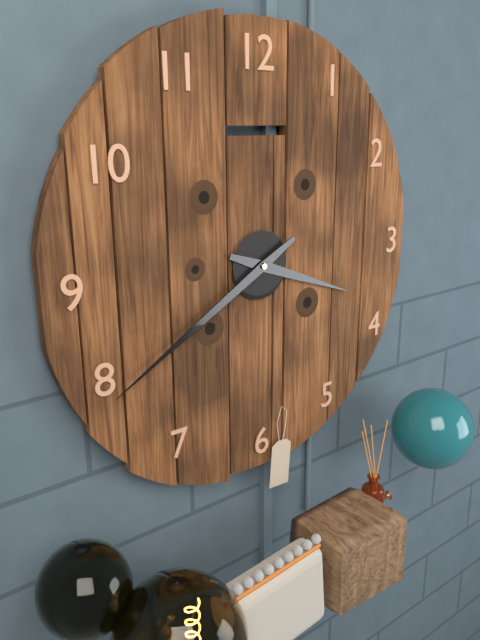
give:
3.40
